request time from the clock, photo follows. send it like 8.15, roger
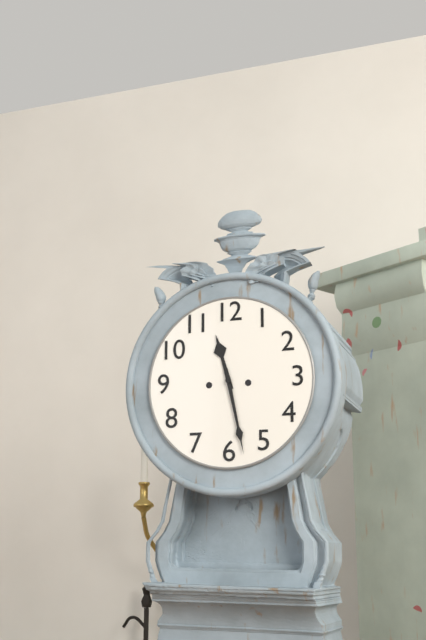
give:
11.28
